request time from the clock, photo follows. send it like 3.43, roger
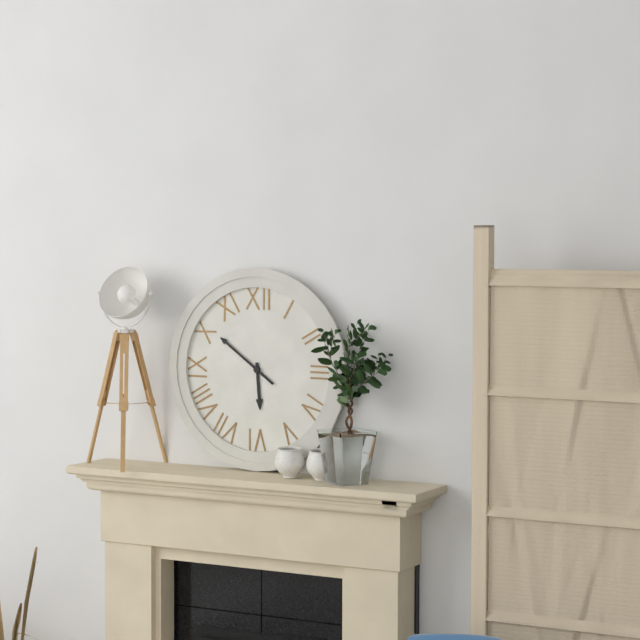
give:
5.51
